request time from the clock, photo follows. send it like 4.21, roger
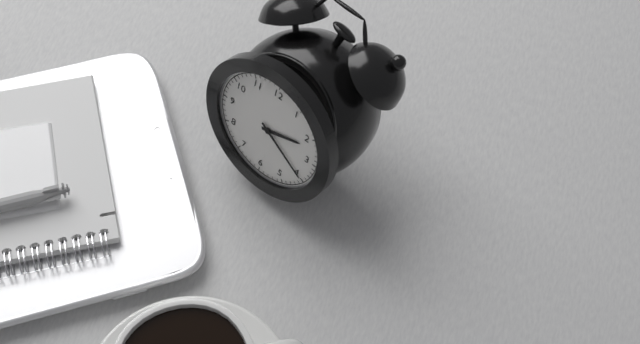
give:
2.20
